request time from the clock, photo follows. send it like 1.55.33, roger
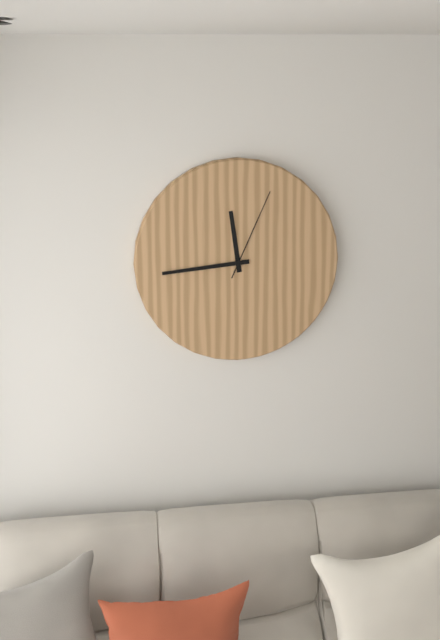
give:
11.44.04
